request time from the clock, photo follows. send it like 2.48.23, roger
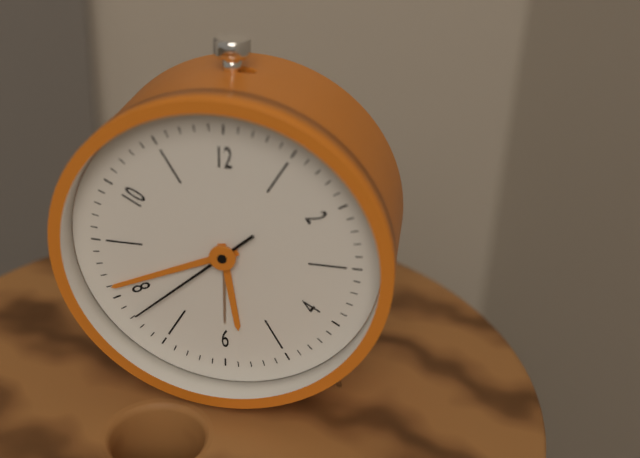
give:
5.41.38
